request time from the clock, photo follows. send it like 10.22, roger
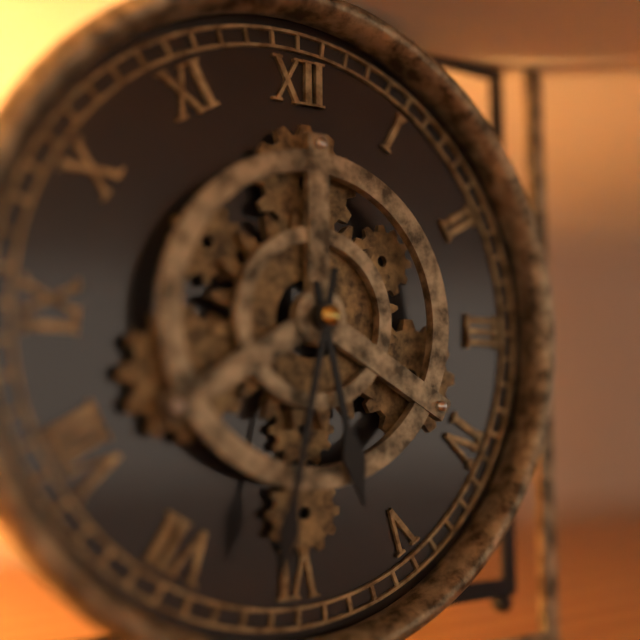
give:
5.32
